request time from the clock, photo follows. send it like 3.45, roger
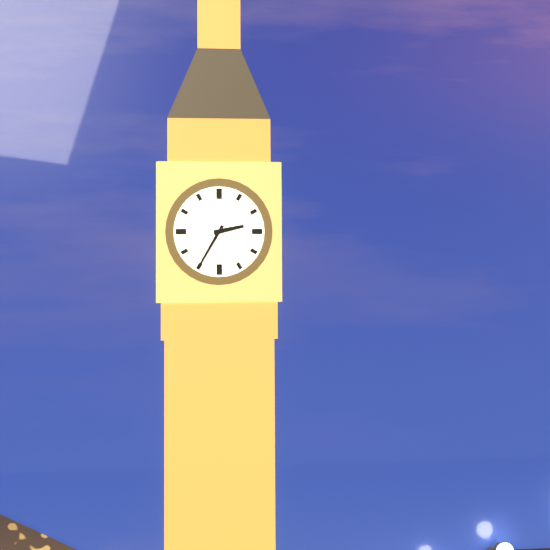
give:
2.35
